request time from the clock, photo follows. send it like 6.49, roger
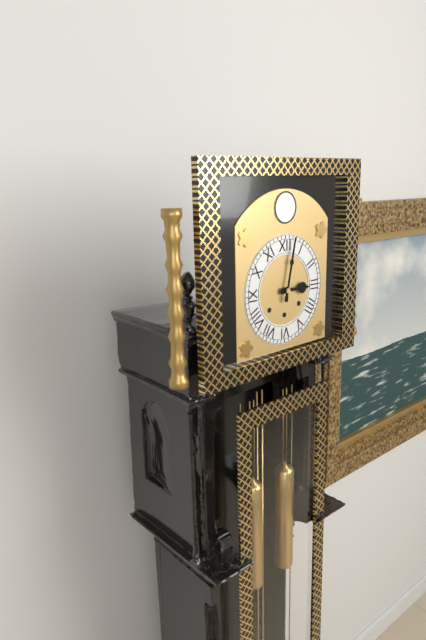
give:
3.02
